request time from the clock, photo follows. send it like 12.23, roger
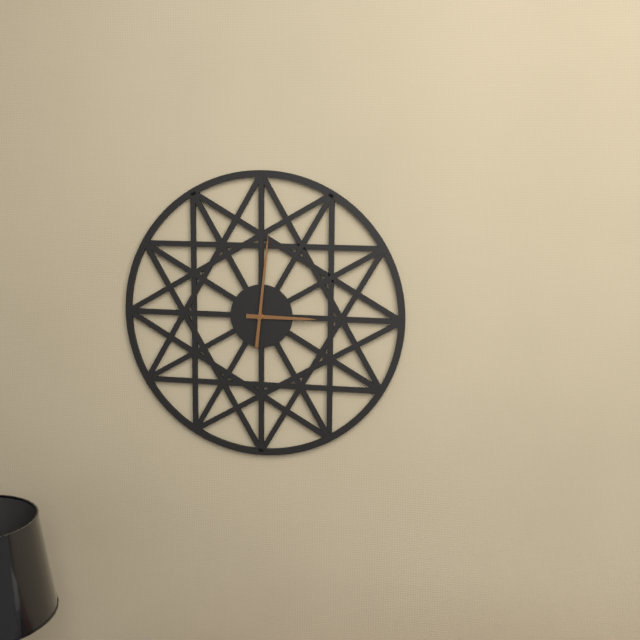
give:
3.01
